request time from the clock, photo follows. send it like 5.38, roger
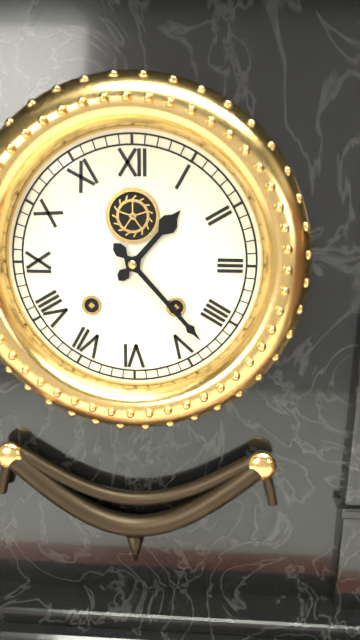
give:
1.23
